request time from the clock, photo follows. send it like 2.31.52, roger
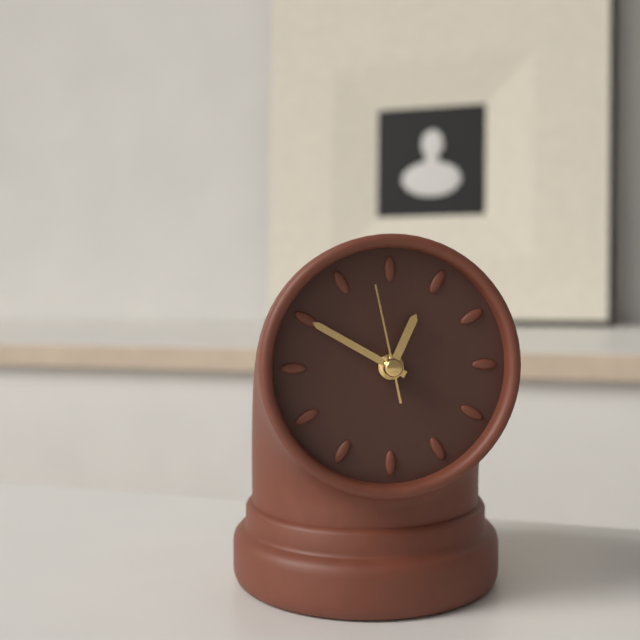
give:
12.50.58
